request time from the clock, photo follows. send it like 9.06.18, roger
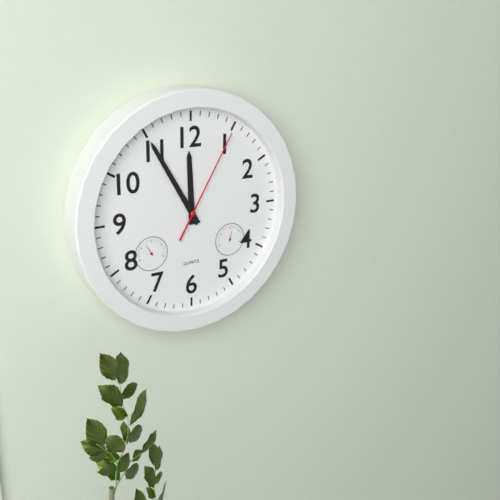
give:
11.55.05
